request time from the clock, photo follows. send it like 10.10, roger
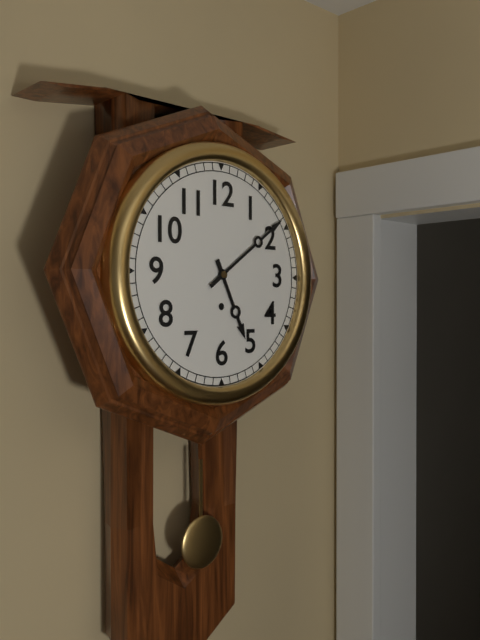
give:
5.09
